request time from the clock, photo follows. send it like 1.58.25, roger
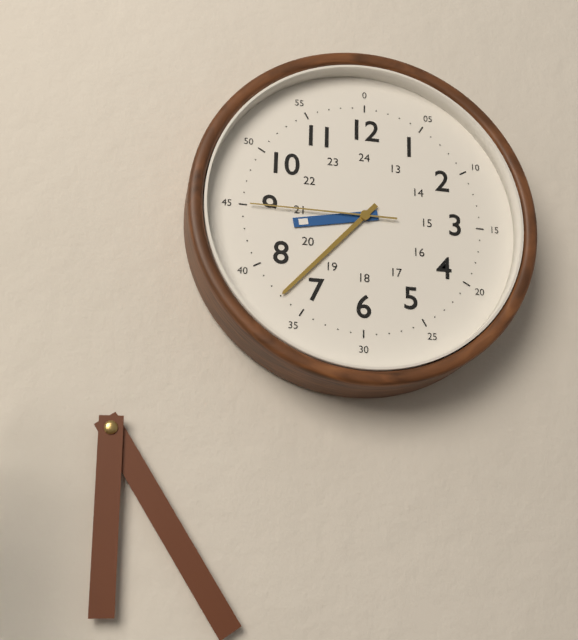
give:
8.37.45
